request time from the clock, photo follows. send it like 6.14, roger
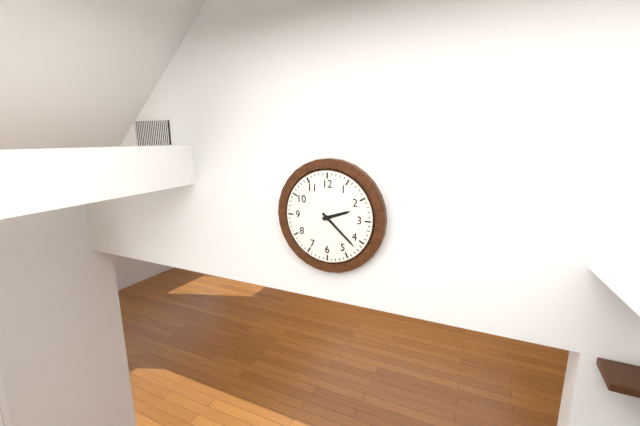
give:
2.22
